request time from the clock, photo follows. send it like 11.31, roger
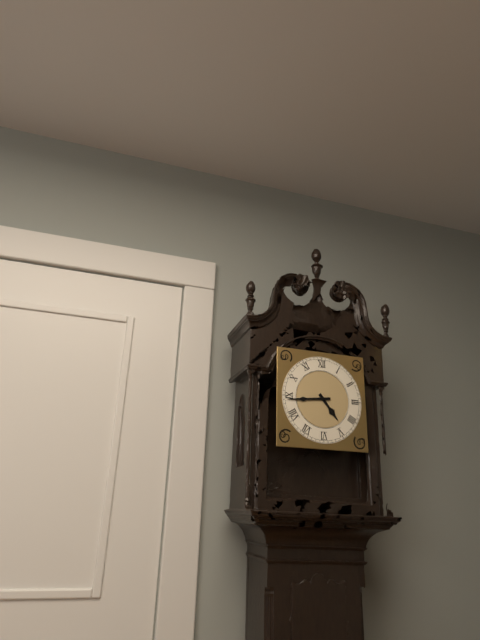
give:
4.44
